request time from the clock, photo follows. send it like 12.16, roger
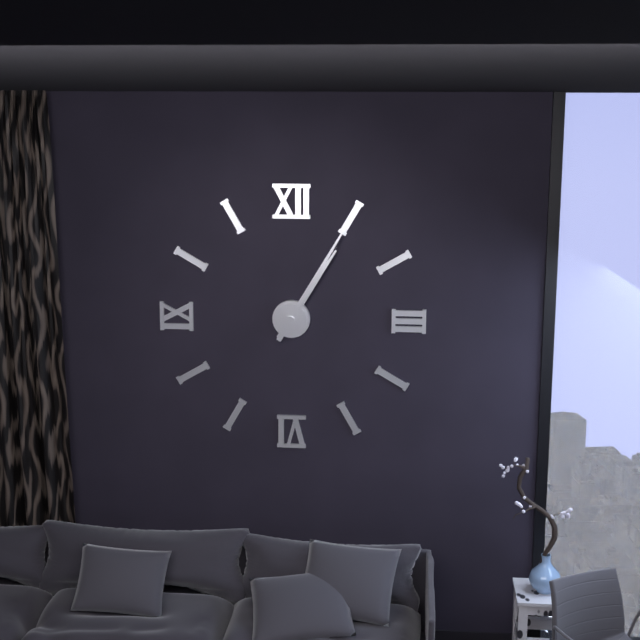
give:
1.05
